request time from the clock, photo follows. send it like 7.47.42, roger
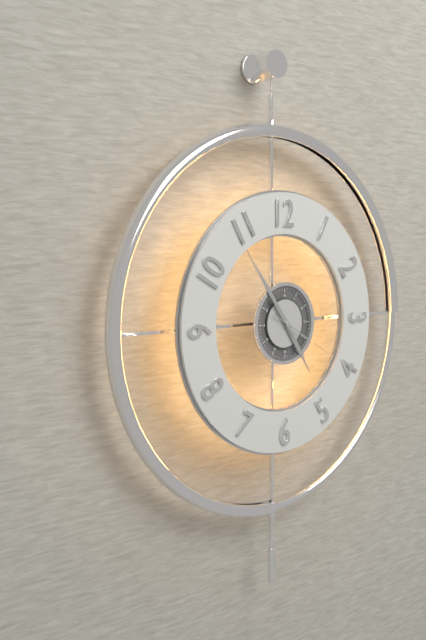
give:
4.54.20
